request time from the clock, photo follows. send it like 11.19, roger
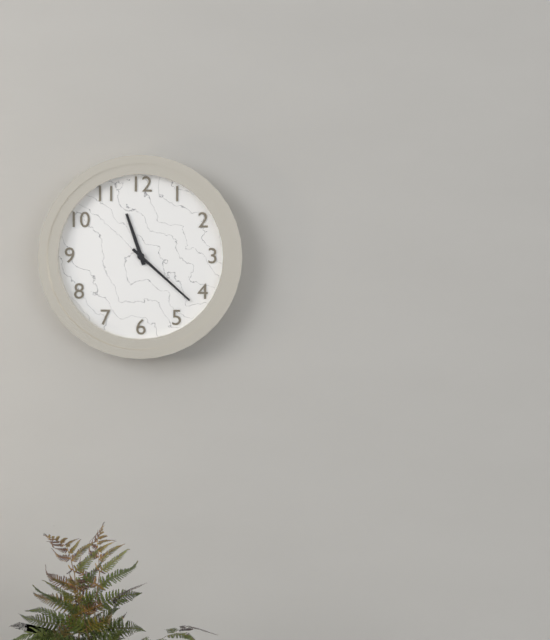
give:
11.22
